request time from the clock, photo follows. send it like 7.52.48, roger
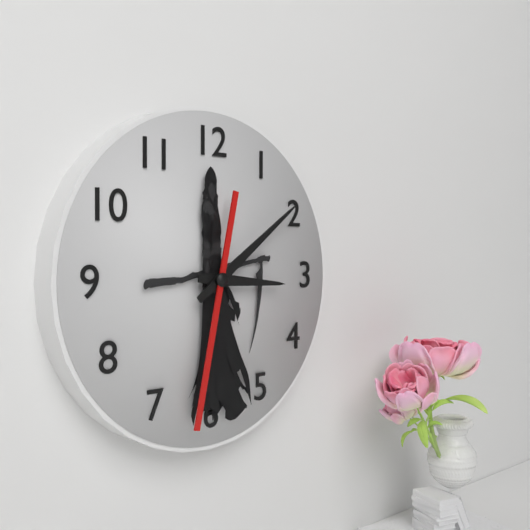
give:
3.09.32
